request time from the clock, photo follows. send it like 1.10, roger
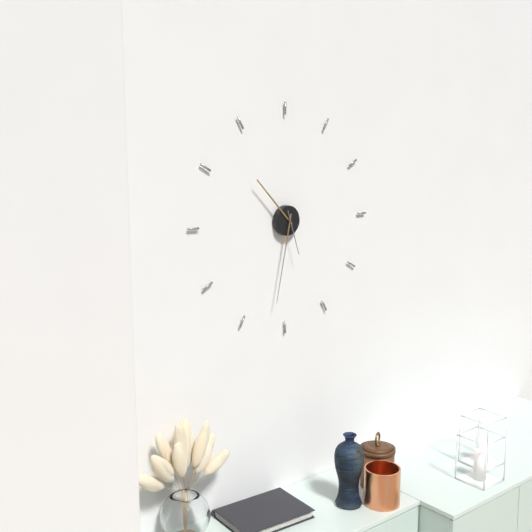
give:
10.32
